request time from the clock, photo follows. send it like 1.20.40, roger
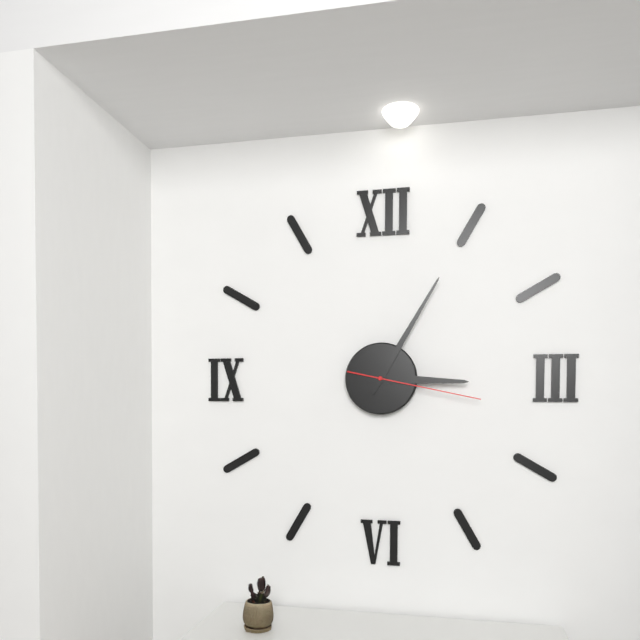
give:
3.05.17
